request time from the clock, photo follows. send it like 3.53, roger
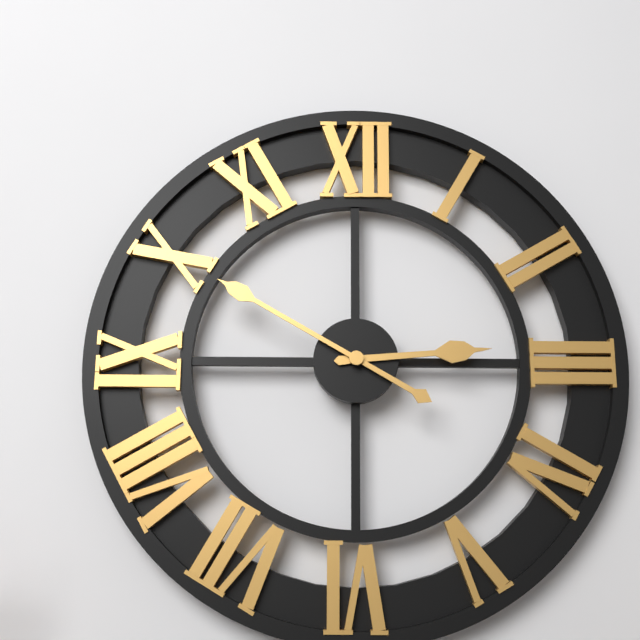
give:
2.50
